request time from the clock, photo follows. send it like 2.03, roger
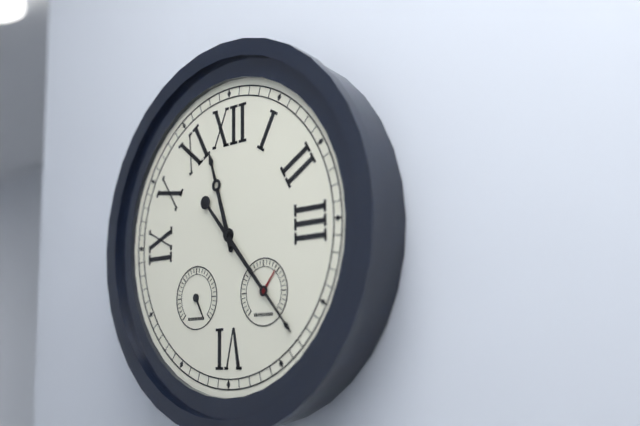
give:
11.23
